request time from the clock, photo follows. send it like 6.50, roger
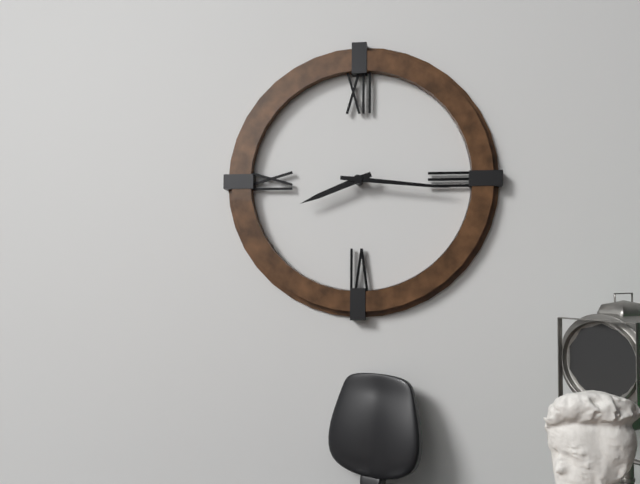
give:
8.16
